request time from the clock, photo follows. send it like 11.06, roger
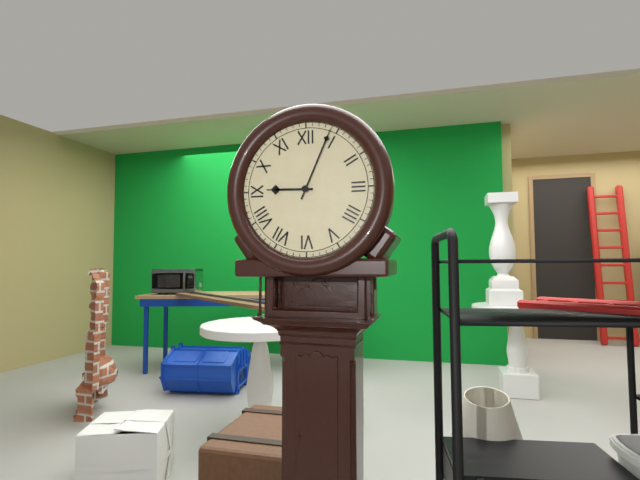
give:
9.04
